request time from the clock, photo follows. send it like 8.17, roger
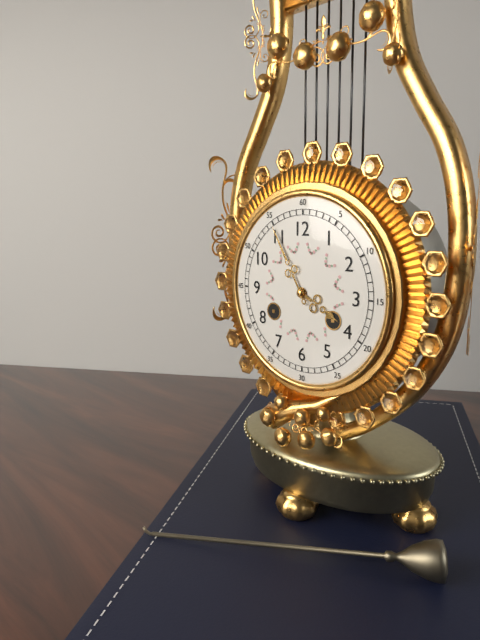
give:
3.55
